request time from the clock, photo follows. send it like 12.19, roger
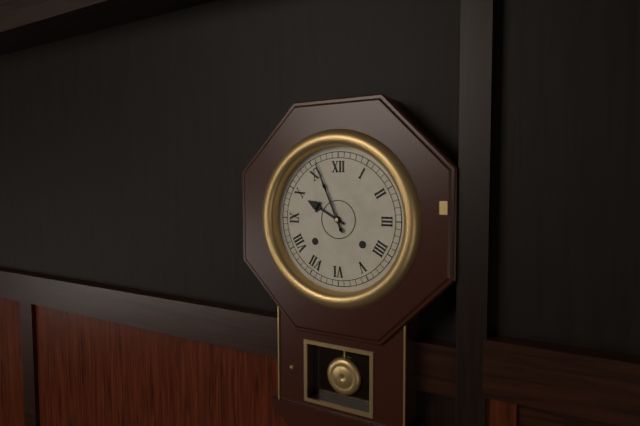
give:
9.56
